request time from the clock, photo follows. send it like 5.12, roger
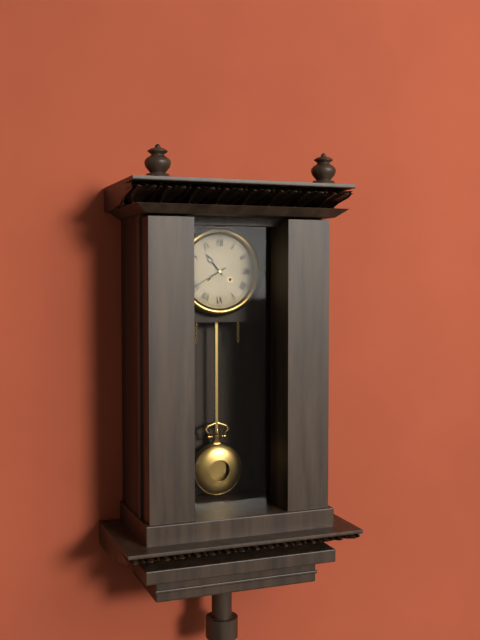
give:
10.40
